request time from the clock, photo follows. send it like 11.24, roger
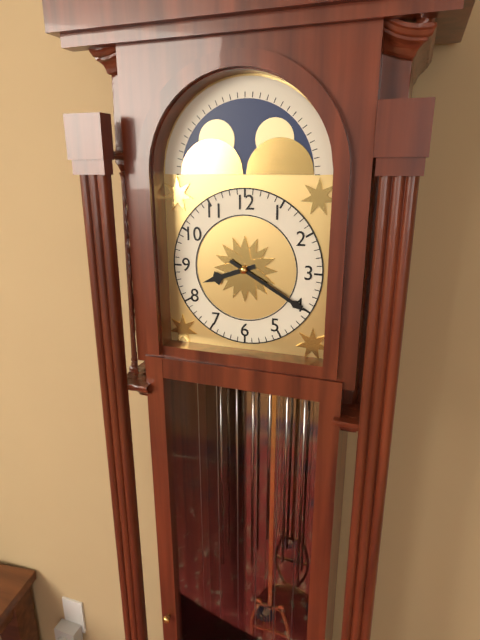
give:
8.20
